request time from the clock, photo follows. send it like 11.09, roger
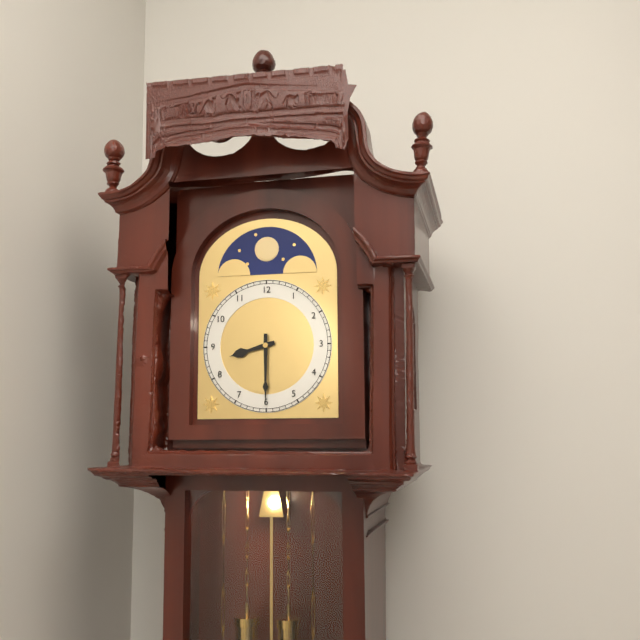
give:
8.30
